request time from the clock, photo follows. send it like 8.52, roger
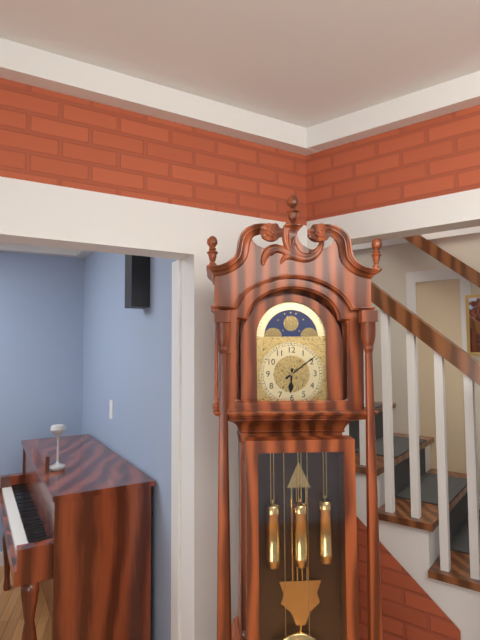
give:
6.09
